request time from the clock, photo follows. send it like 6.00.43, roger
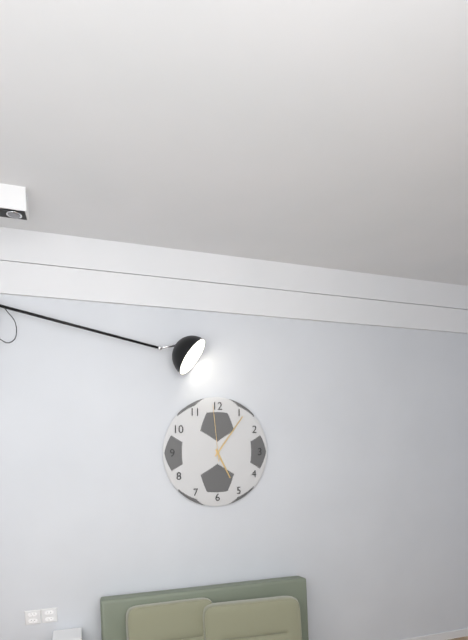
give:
5.06.59
